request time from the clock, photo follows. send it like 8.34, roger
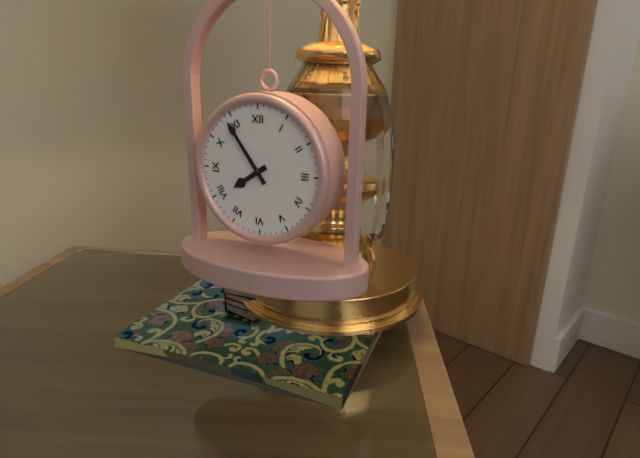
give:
7.54
